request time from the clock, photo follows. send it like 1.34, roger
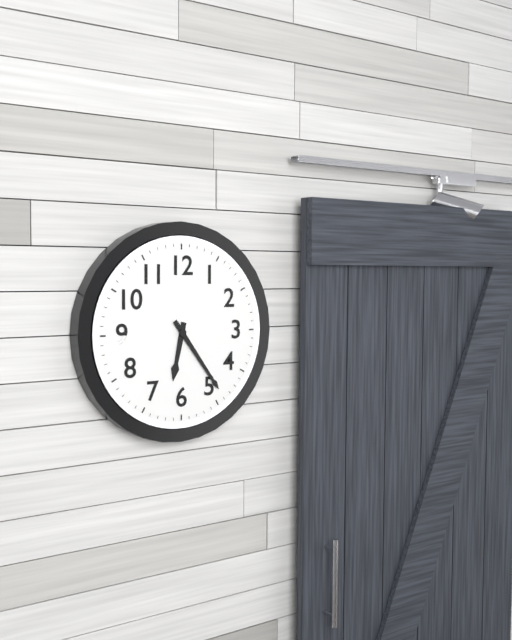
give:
6.24
